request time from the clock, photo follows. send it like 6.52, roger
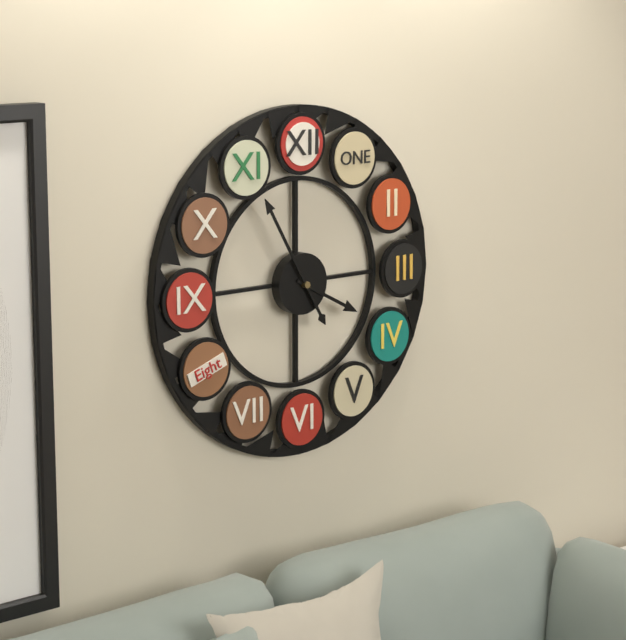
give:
3.55
